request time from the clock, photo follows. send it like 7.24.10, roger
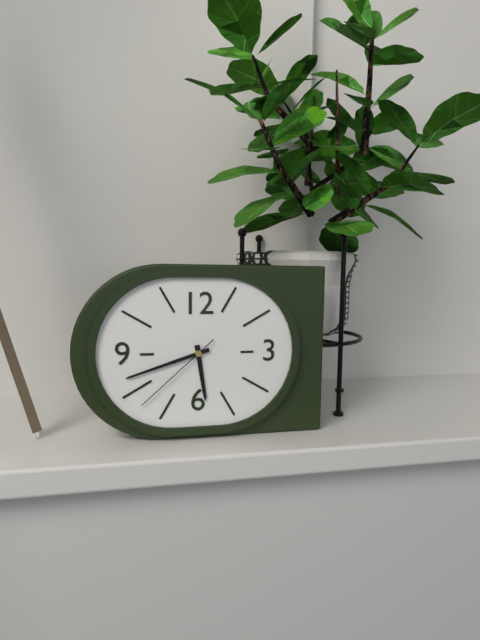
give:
5.42.38
